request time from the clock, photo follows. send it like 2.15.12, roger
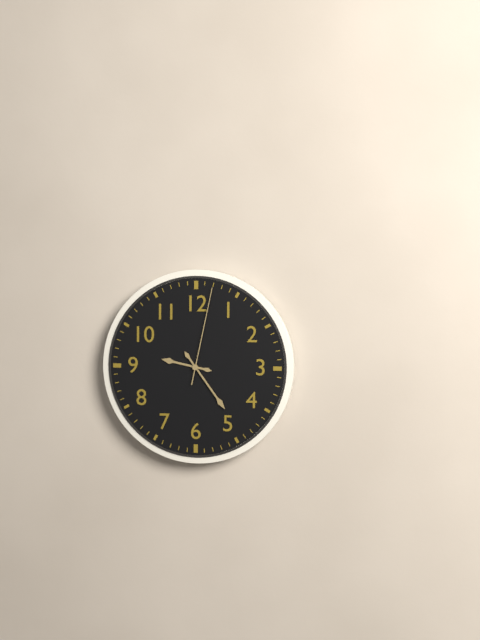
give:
9.24.02
